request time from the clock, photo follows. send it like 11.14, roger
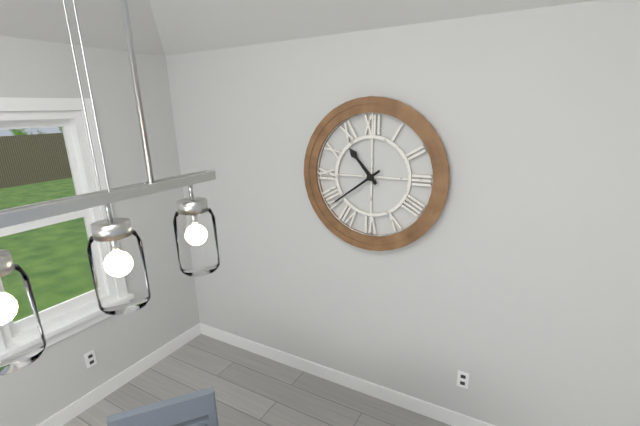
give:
10.39
